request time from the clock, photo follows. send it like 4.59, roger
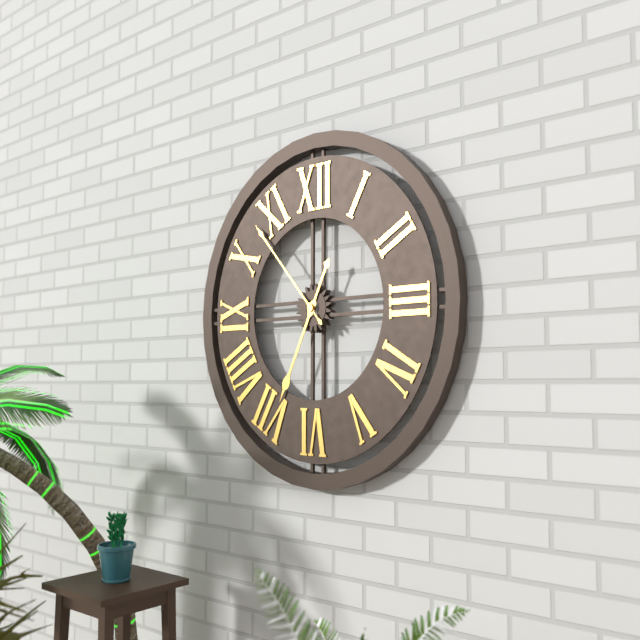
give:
6.53
